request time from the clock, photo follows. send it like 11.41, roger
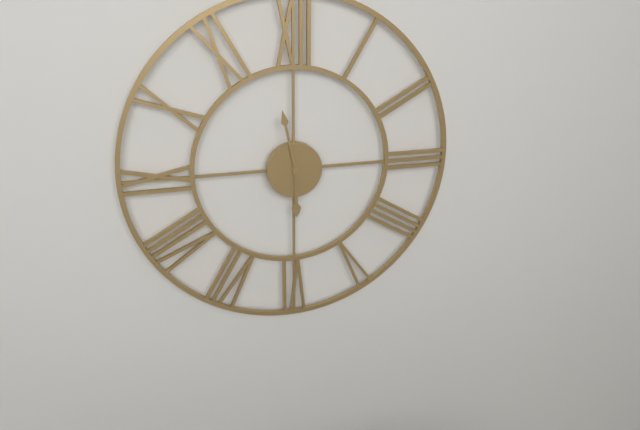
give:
5.58
